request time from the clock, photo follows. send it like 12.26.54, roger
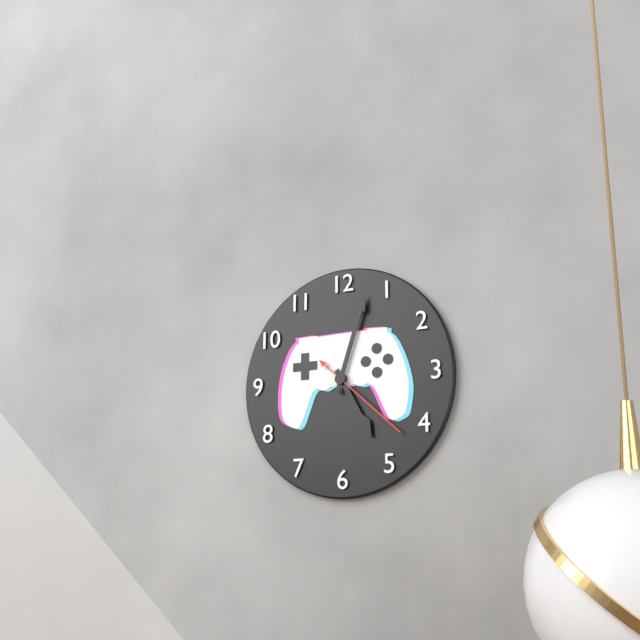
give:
5.03.22
